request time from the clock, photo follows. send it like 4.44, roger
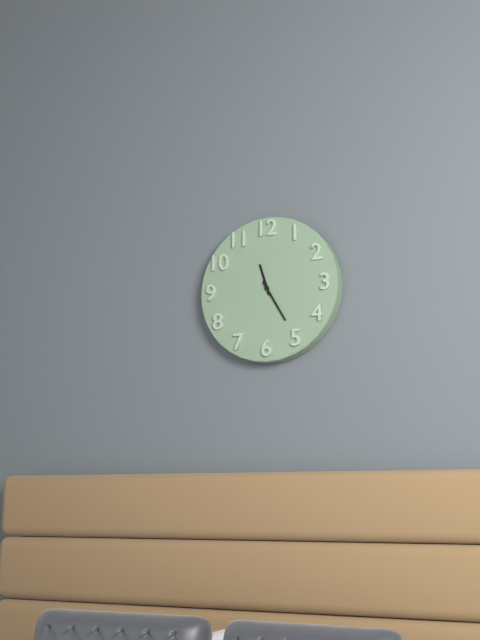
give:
11.25
